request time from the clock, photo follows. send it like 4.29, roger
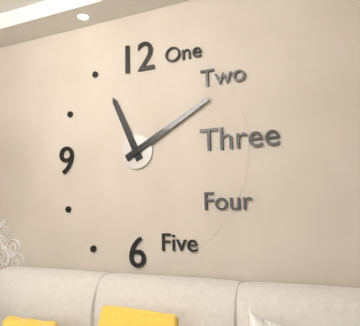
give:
11.10
